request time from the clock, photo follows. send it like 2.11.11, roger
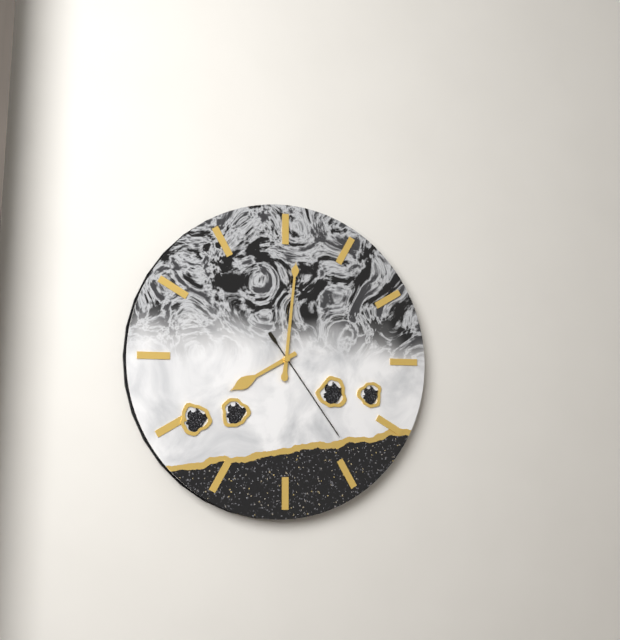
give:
8.01.24
